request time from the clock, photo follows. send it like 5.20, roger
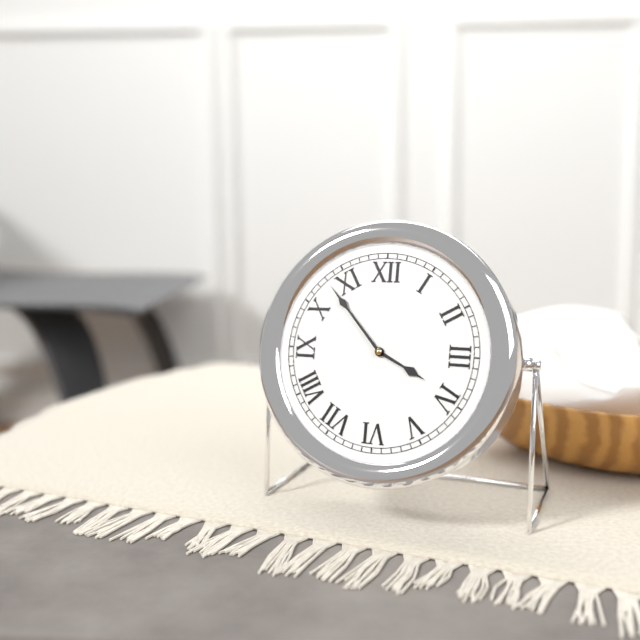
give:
3.53
